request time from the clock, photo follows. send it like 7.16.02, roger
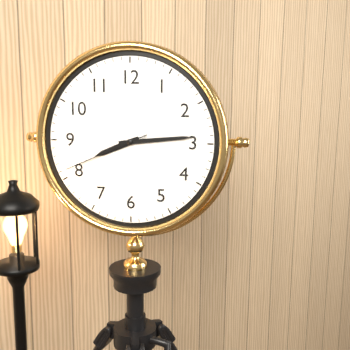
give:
8.14.41
